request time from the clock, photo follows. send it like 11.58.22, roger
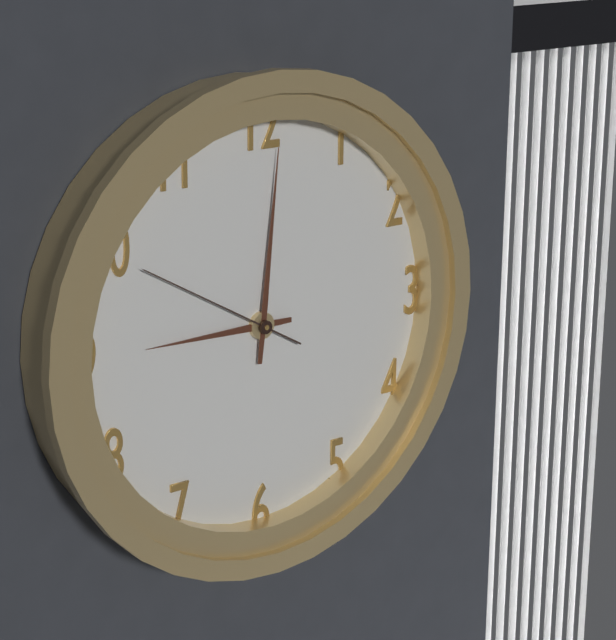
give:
9.01.50
